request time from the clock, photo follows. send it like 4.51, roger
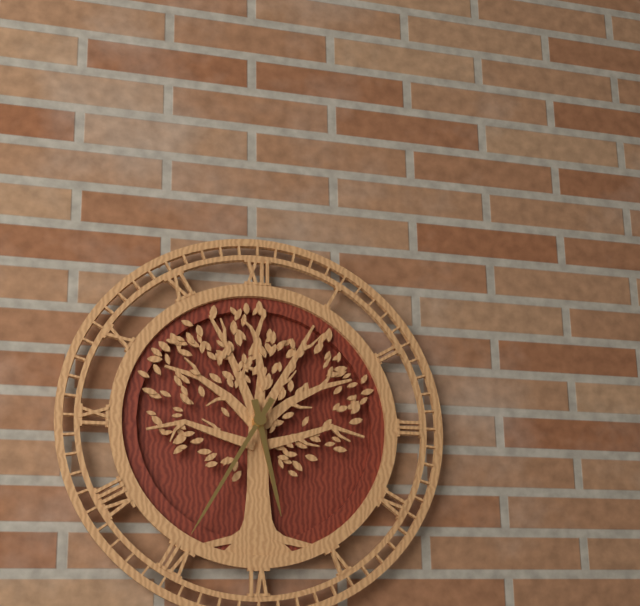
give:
5.35
